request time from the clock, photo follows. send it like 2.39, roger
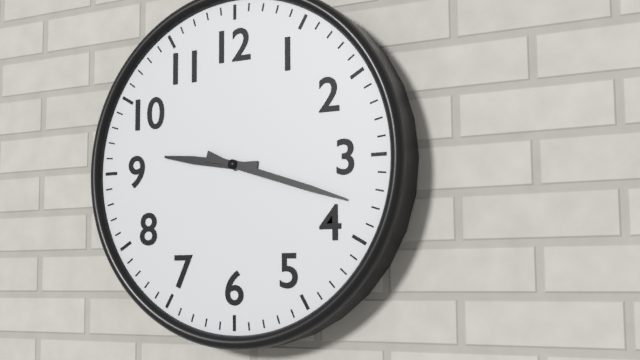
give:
9.18
